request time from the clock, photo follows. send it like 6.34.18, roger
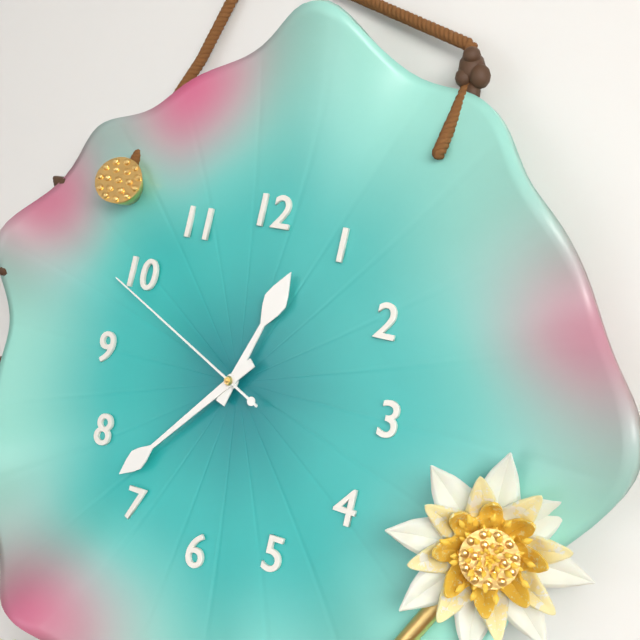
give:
12.37.49
